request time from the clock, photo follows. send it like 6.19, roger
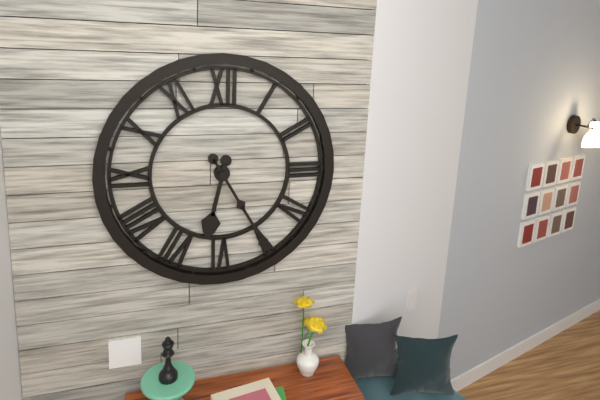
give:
6.25
